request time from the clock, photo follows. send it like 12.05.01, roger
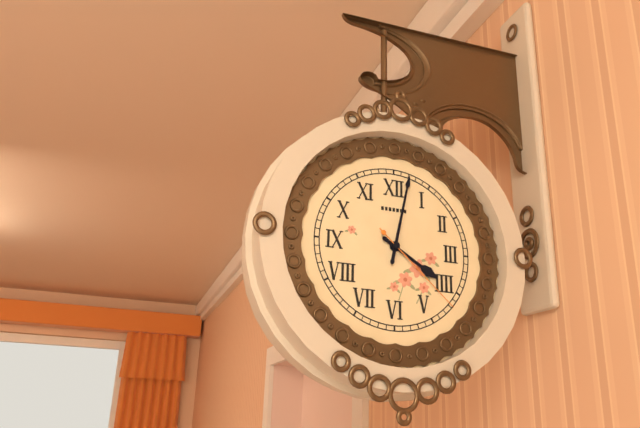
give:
4.02.22
